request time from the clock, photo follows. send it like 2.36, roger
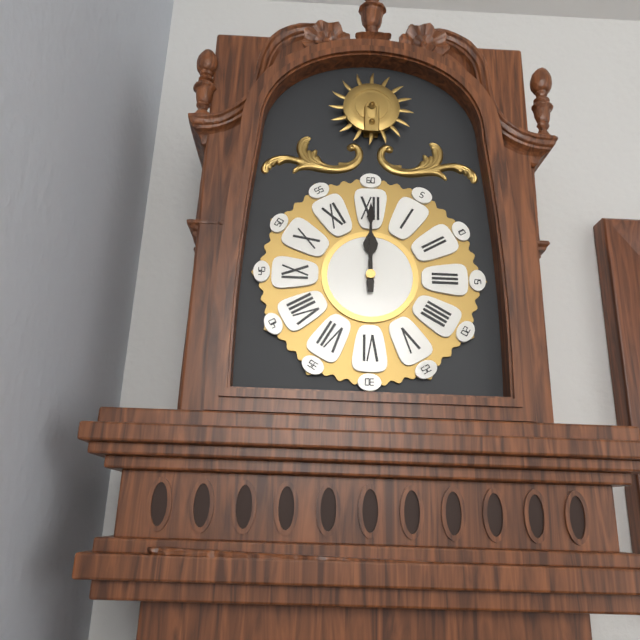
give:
12.00
